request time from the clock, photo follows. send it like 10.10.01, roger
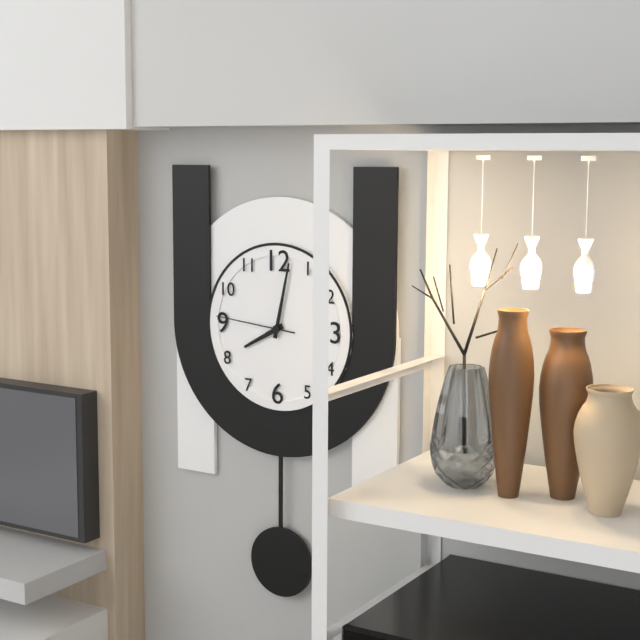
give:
8.02.46
